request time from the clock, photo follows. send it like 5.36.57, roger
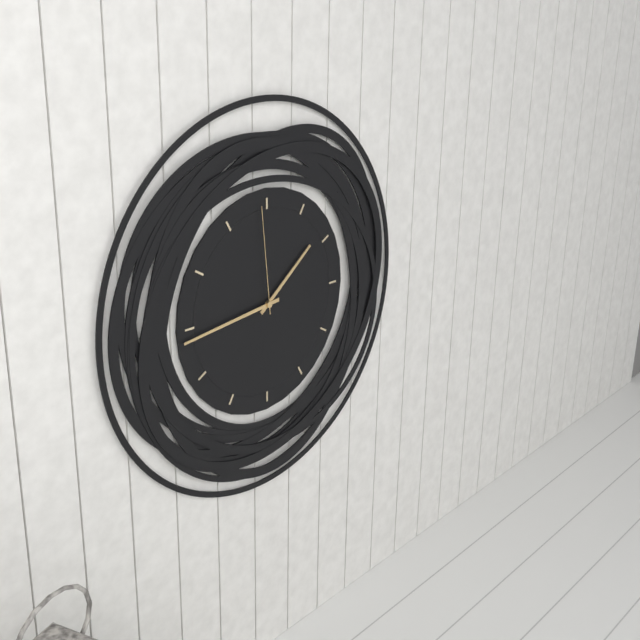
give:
1.44.59
